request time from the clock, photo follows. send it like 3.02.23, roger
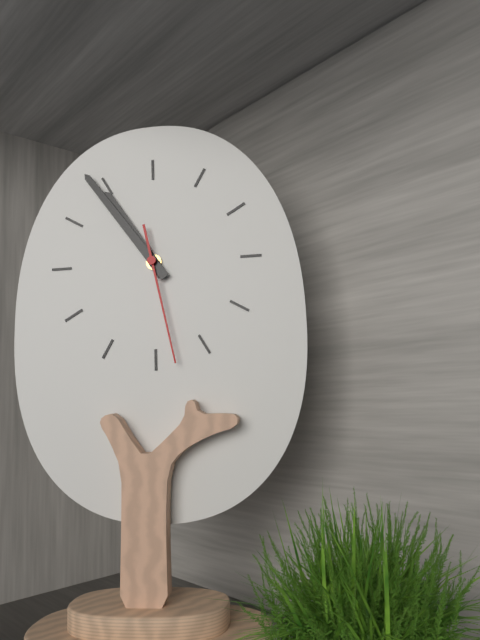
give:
10.54.28
